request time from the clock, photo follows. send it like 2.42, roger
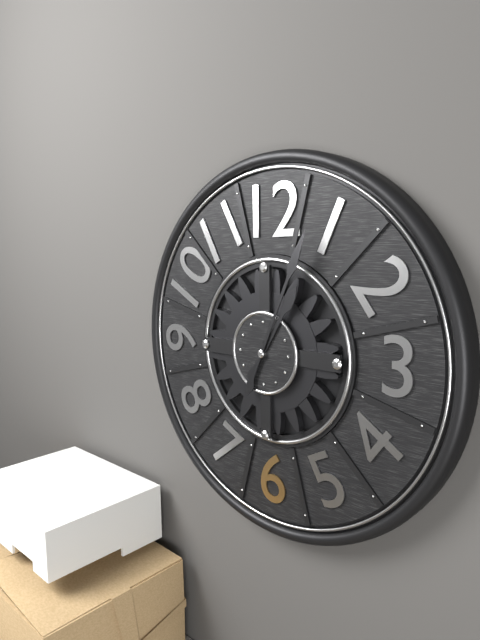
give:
1.04
